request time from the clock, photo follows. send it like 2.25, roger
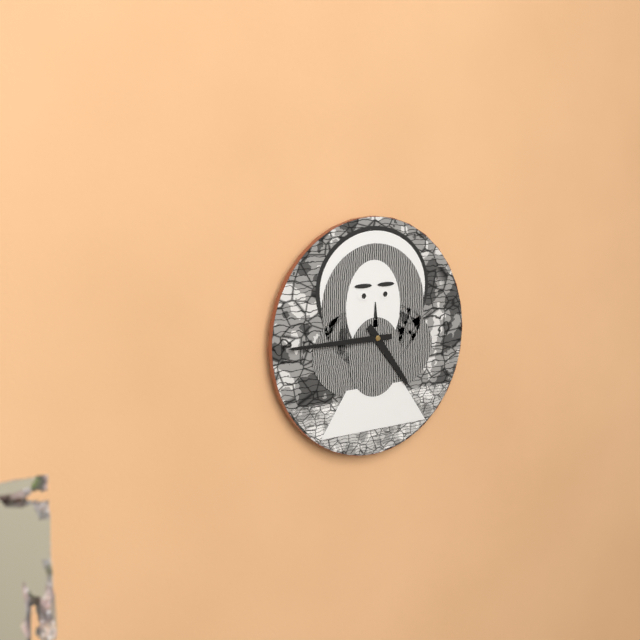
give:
4.45
